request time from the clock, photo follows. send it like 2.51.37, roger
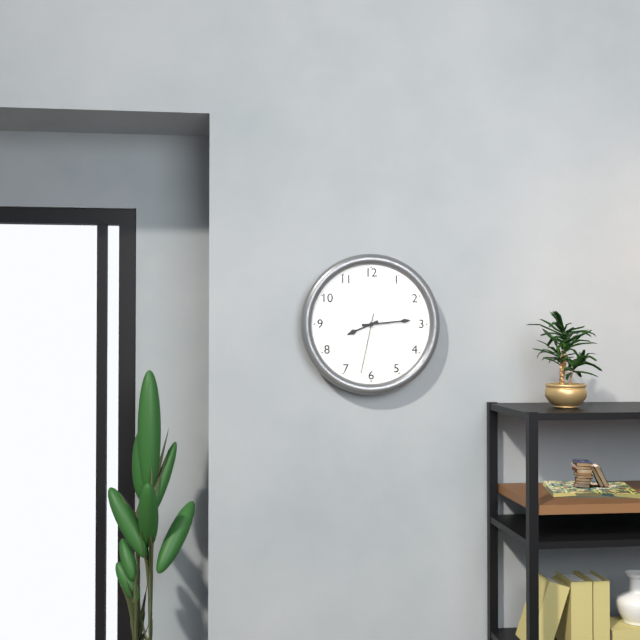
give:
8.14.32
